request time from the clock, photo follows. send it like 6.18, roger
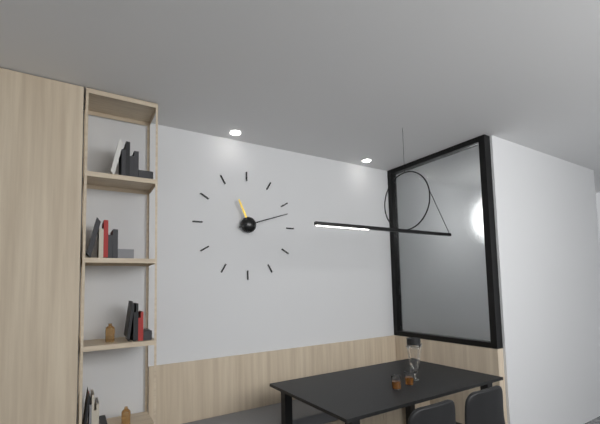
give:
11.12
